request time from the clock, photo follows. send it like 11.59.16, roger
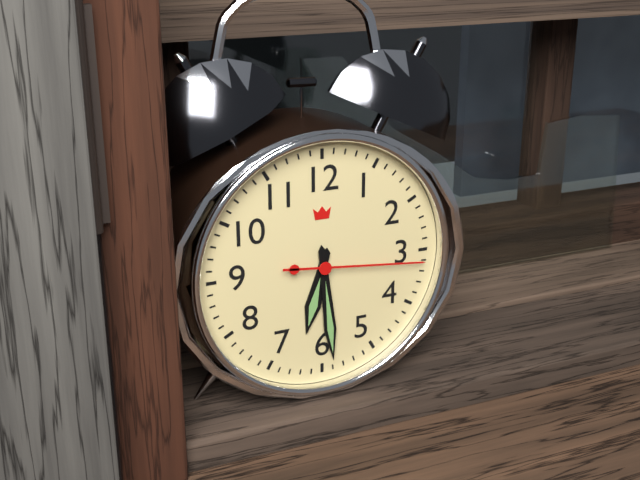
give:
6.29.16
